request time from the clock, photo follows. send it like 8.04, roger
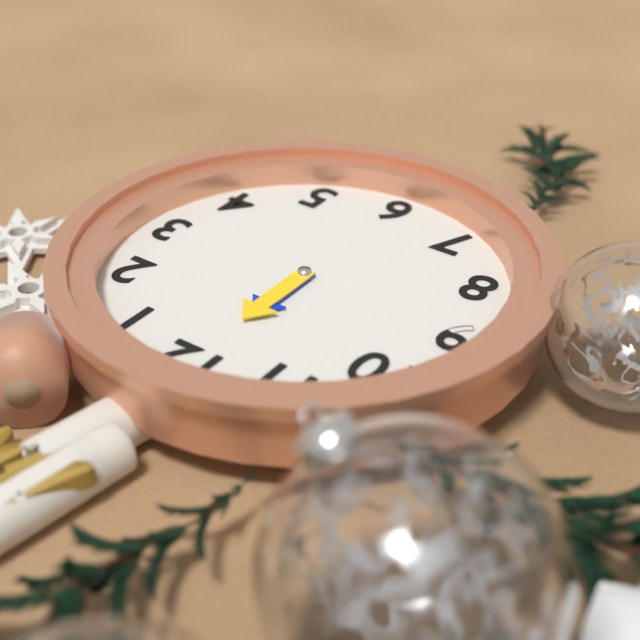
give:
12.00
